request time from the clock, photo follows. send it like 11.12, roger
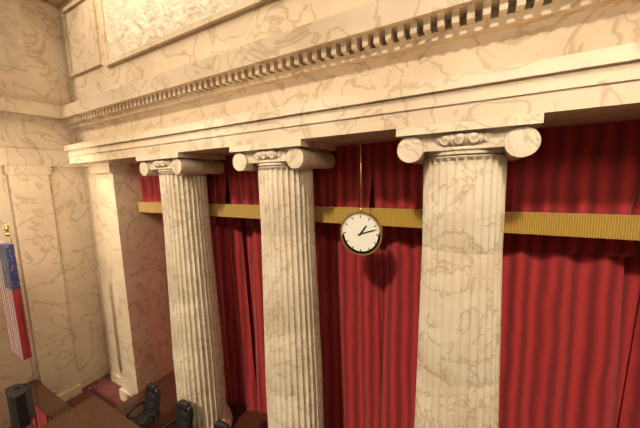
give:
1.12
